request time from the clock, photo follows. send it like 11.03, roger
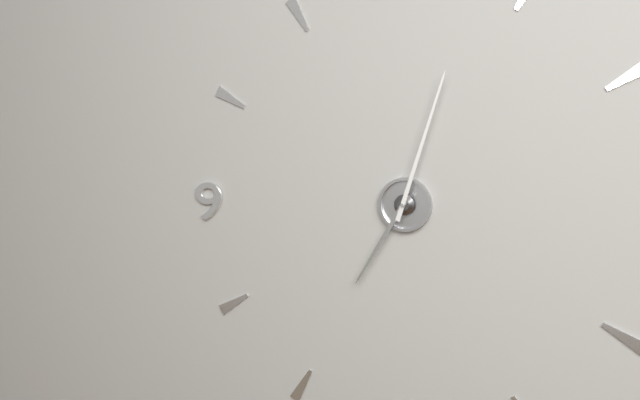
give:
7.03
